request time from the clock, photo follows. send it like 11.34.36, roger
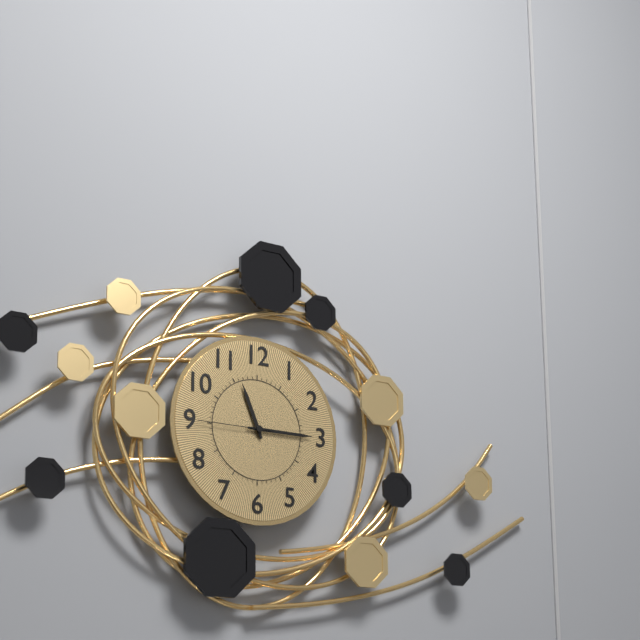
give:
11.15.45
